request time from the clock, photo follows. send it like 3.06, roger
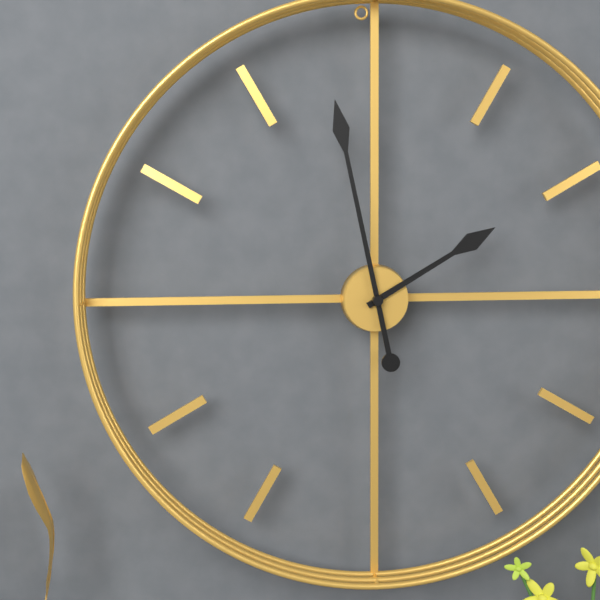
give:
1.58
